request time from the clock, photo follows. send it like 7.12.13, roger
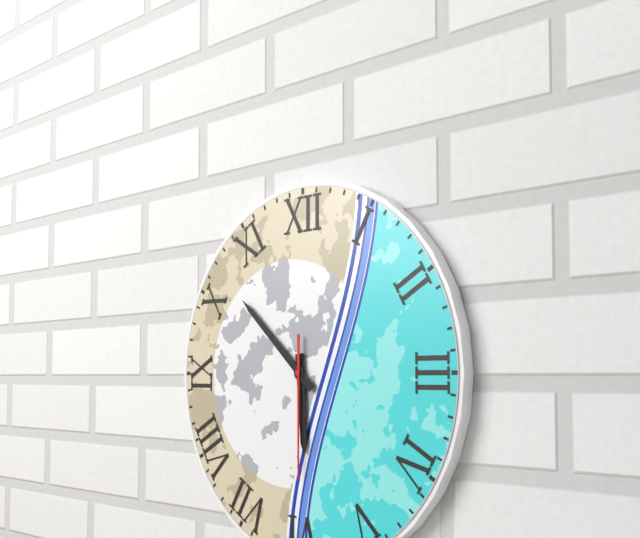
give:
5.52.30
